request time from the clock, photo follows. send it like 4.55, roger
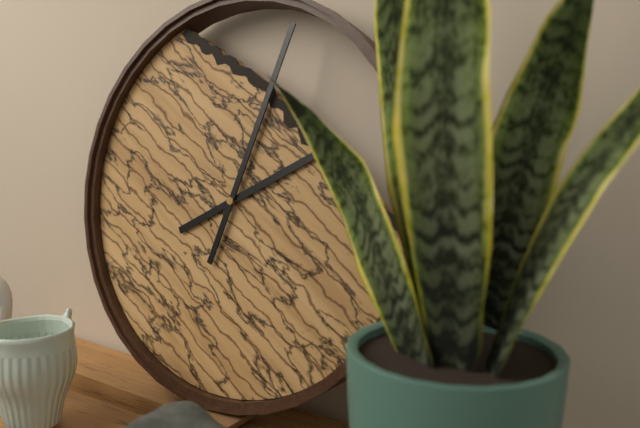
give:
2.03
